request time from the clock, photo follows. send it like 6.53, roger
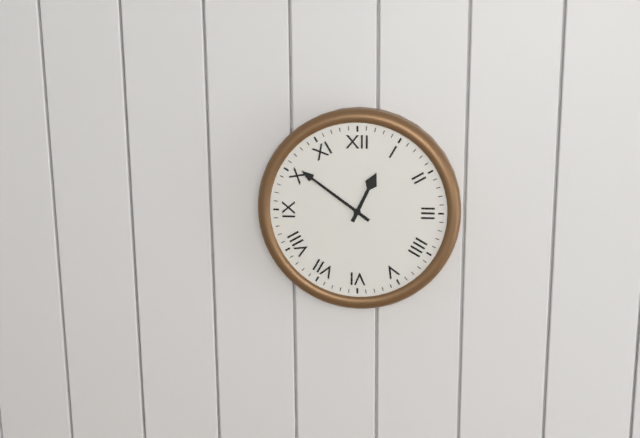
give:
12.51
